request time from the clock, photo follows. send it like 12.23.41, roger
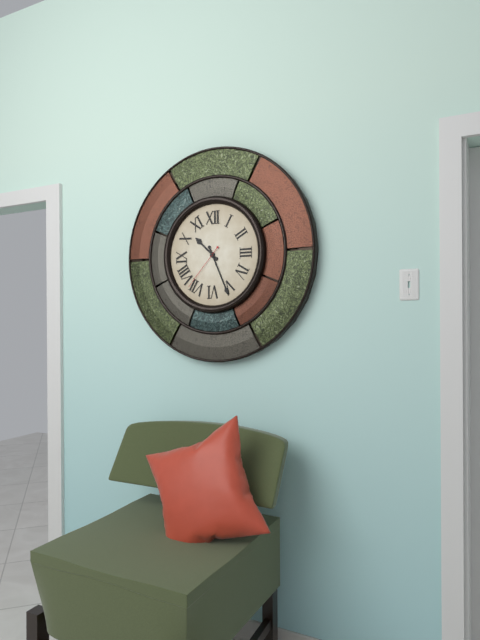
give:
10.26.37
